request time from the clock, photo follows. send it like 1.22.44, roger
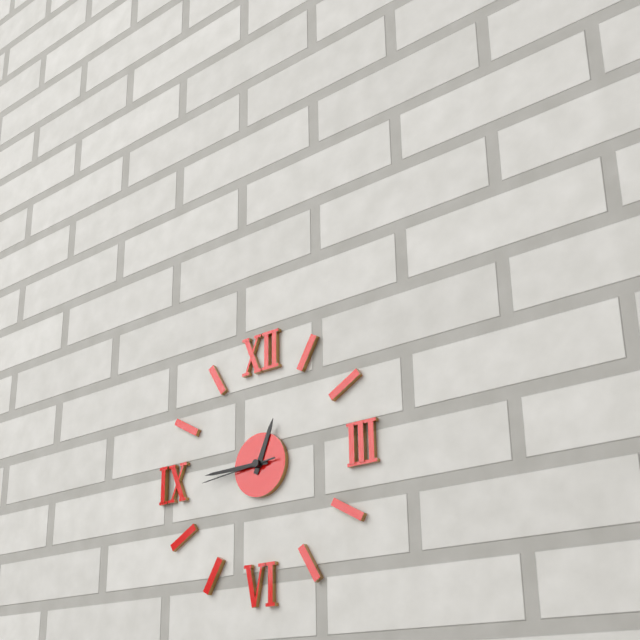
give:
12.45.44
